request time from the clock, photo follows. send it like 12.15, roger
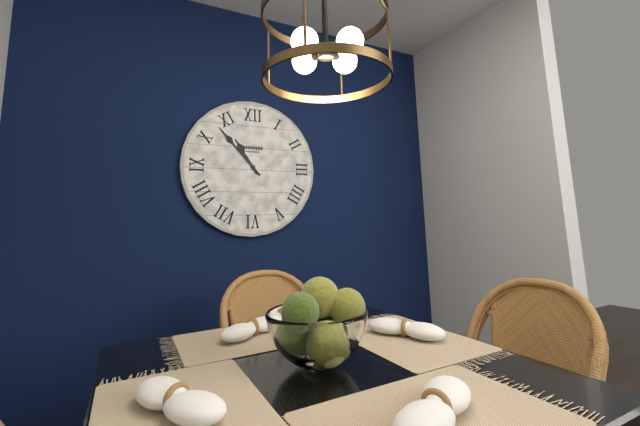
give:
10.53
